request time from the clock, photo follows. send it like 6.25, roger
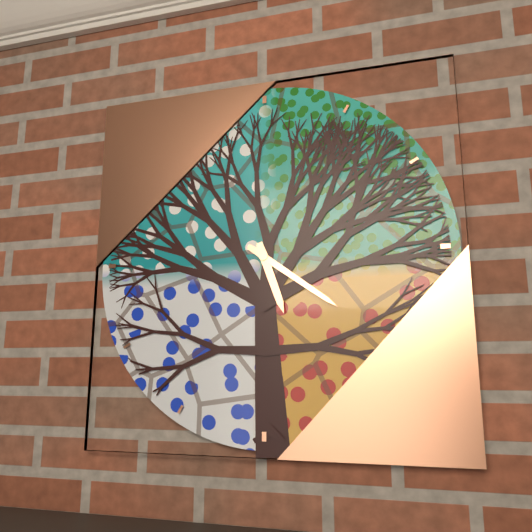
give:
5.21
